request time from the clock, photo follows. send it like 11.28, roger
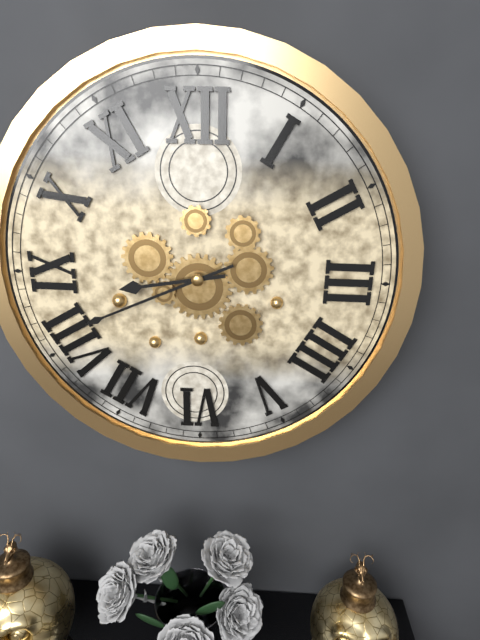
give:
8.41
